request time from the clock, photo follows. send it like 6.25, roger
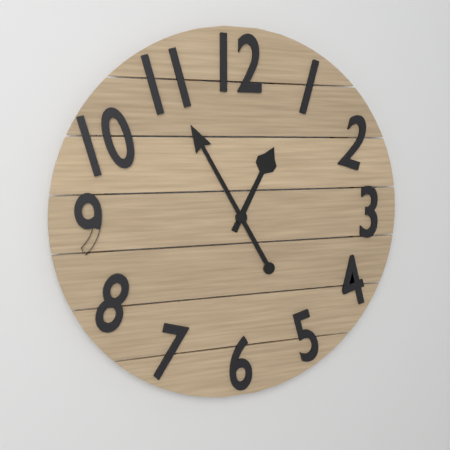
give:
12.55
